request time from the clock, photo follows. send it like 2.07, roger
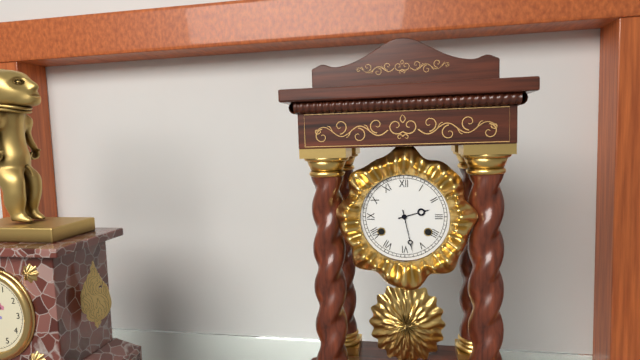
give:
2.28
